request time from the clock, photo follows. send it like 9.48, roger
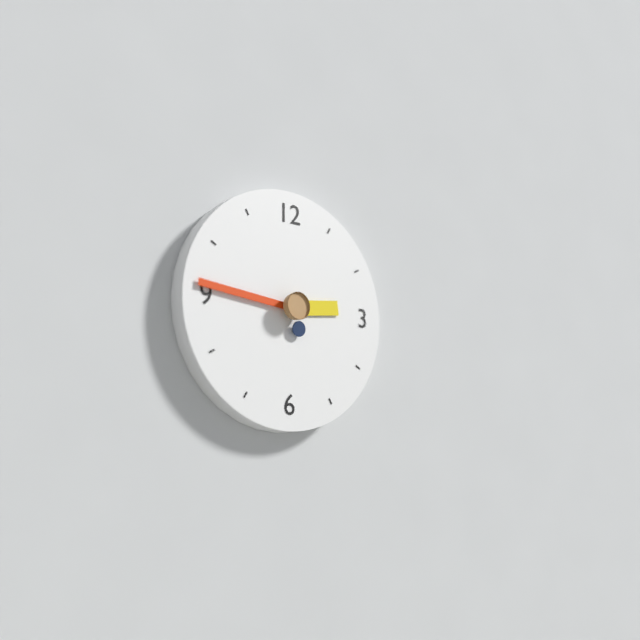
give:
2.46
